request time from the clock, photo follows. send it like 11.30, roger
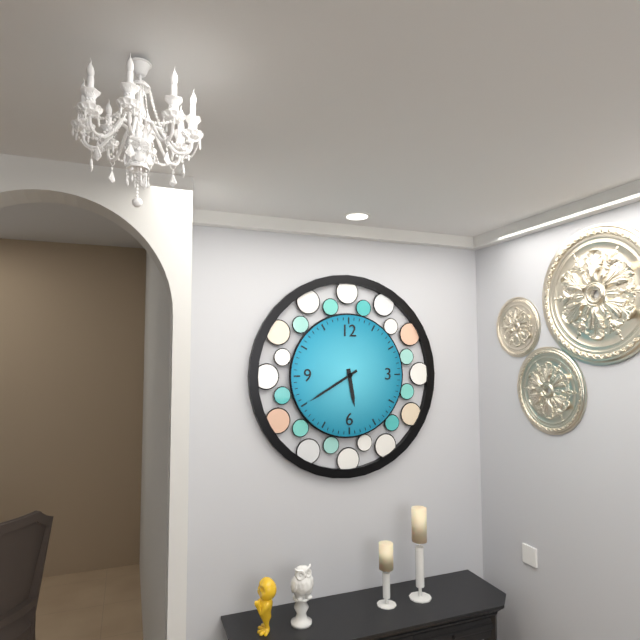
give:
5.40
